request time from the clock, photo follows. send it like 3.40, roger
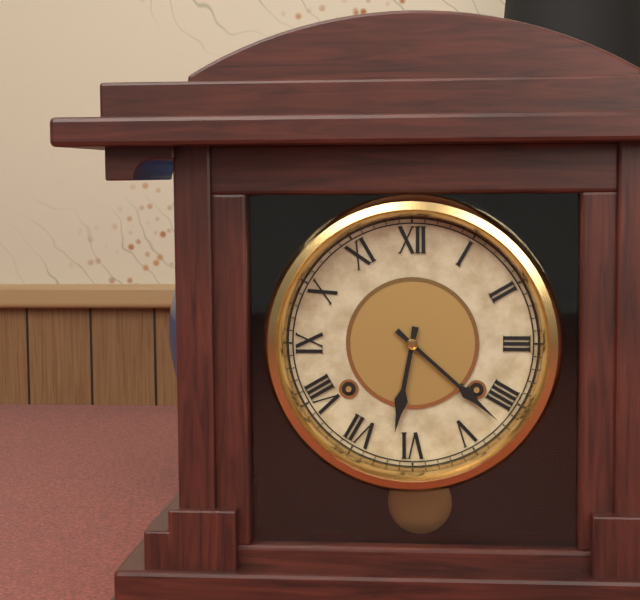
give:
6.22
